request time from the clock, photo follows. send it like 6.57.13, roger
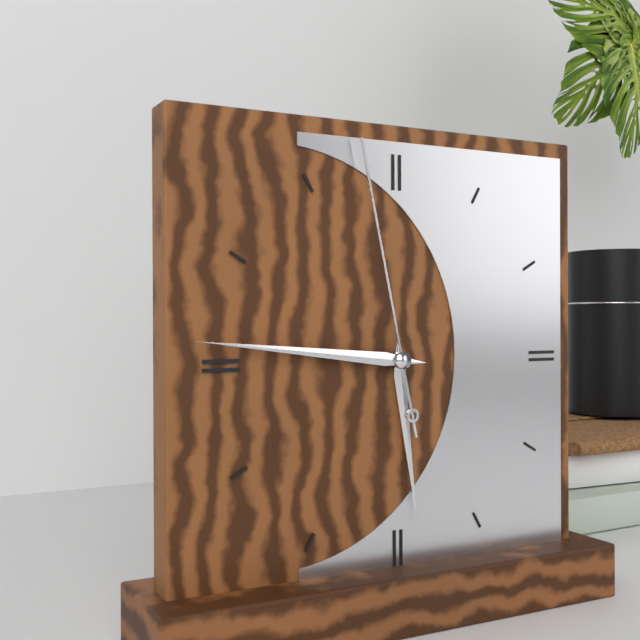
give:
5.46.58
